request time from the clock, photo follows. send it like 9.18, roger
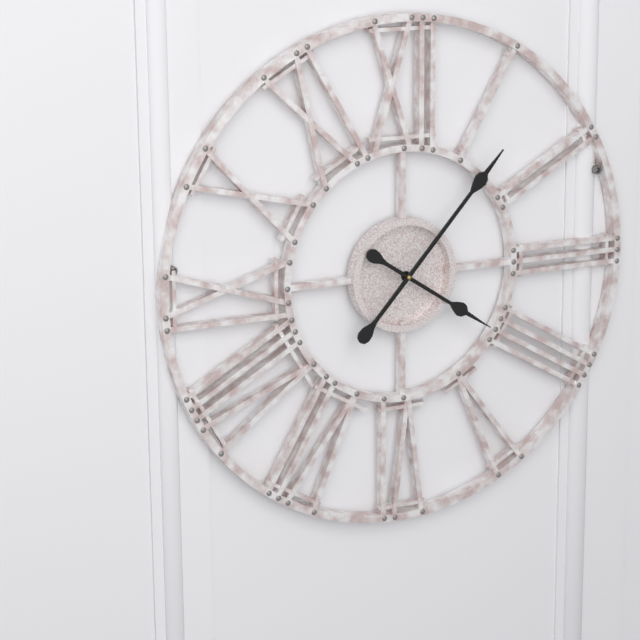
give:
4.07
